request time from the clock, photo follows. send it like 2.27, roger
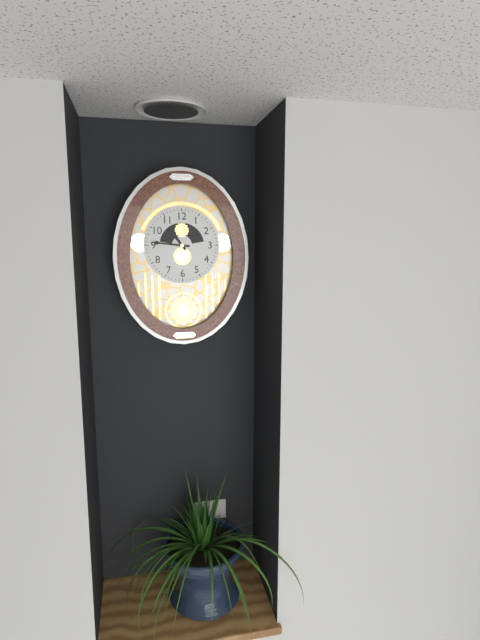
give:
10.46
